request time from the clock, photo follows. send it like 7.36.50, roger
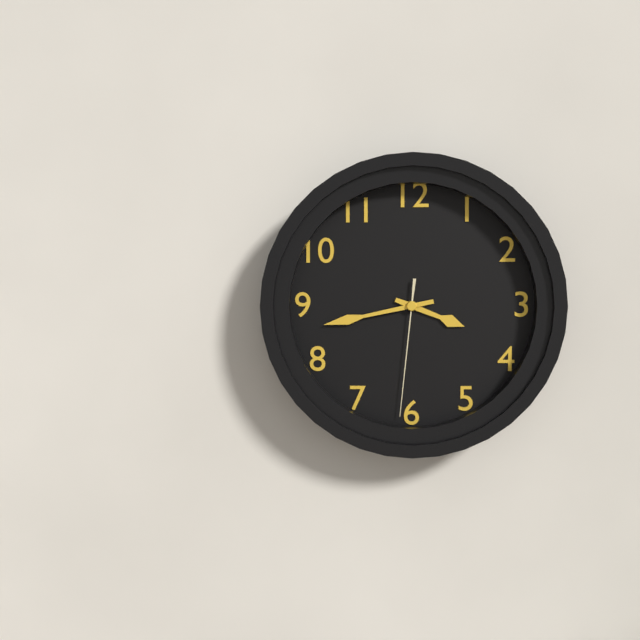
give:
3.43.31
